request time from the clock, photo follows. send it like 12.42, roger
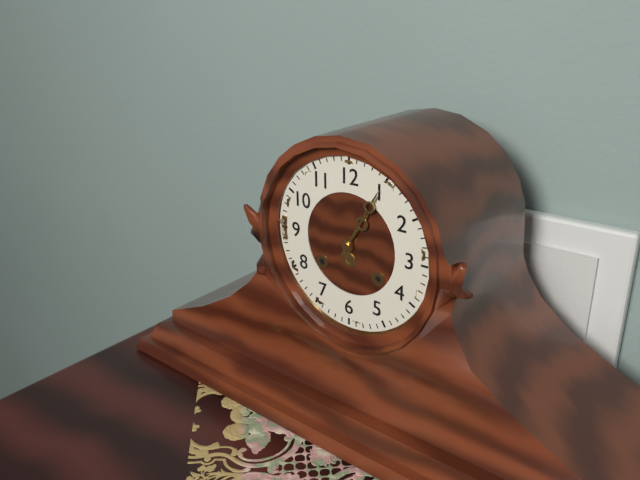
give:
1.05
